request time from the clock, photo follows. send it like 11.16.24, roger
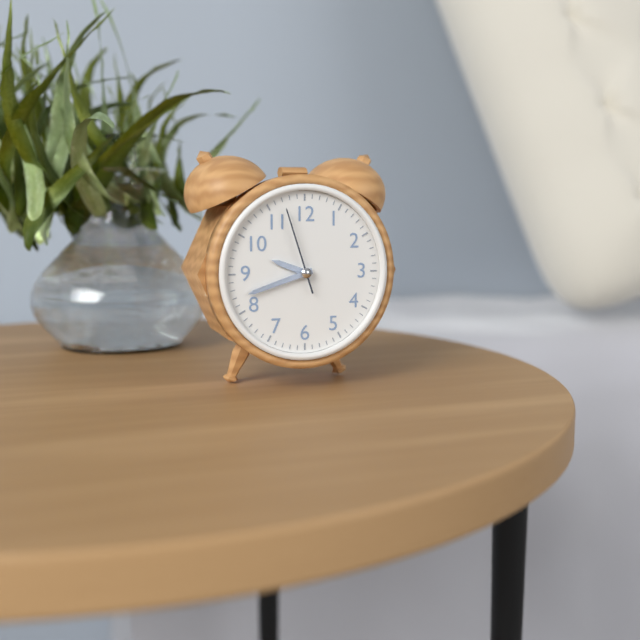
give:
9.42.57
